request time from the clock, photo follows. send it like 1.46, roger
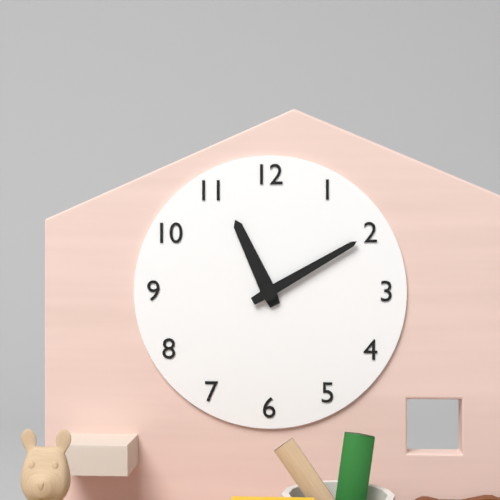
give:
11.10
